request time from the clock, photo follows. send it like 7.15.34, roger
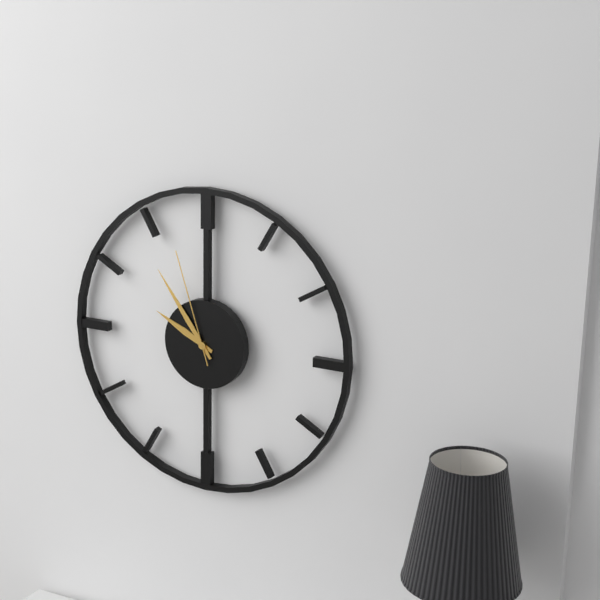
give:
9.54.57
